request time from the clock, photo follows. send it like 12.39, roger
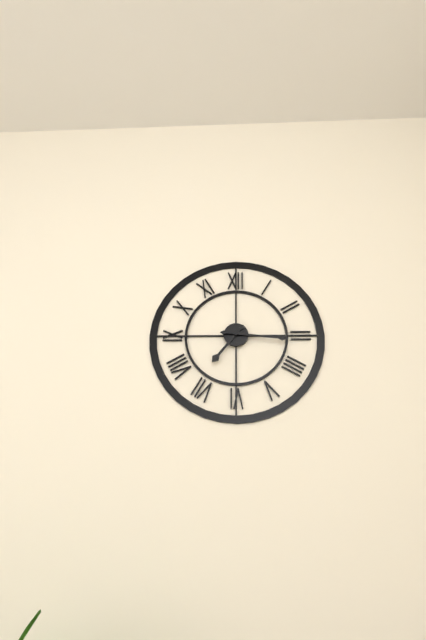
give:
7.16
